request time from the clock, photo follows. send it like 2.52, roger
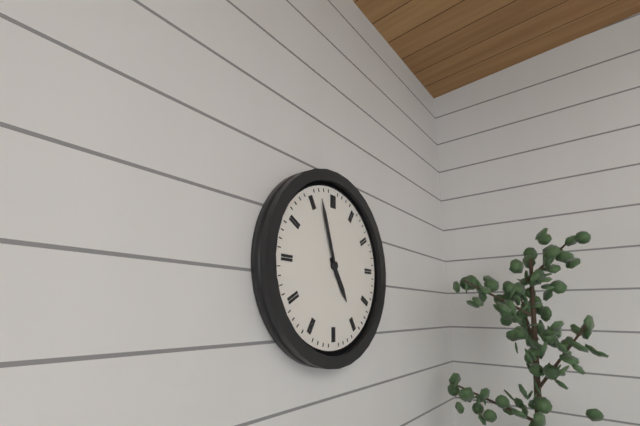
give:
4.57
